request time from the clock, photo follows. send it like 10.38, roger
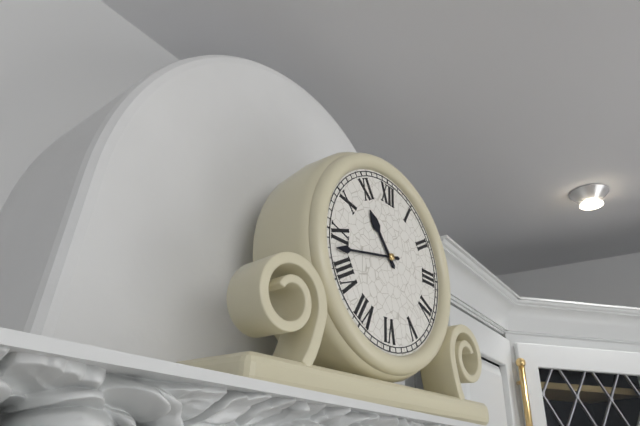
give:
10.43
